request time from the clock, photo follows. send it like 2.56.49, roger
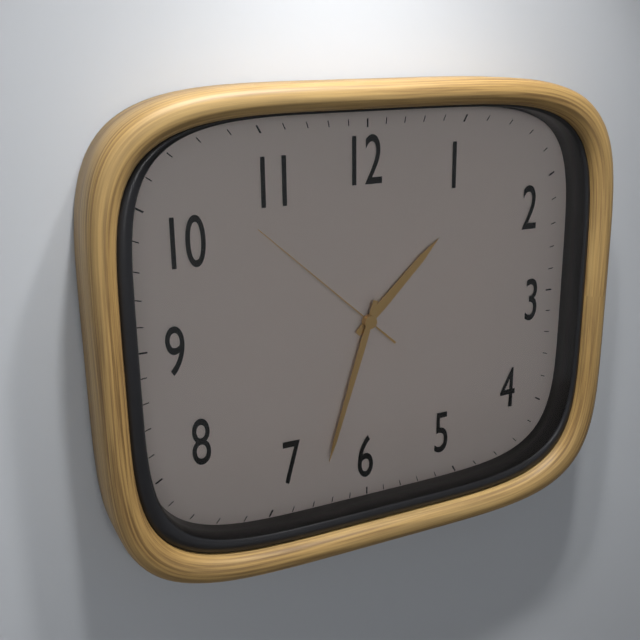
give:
1.33.52
